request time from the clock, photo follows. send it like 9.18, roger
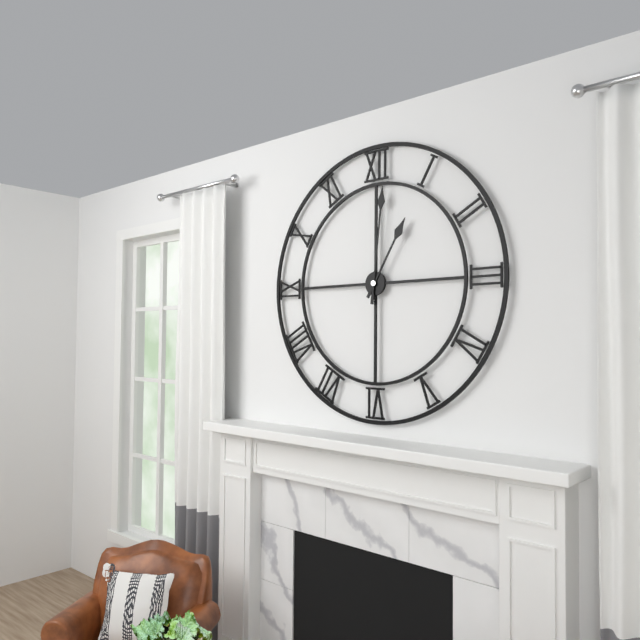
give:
1.01
